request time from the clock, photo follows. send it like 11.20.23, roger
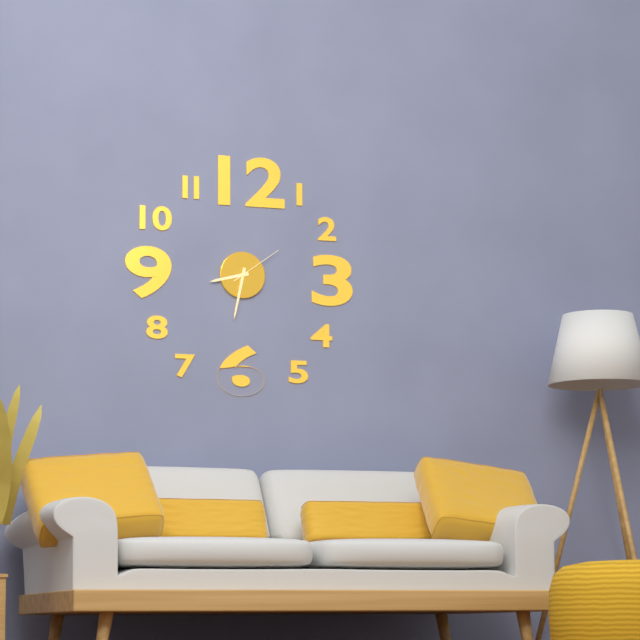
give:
8.32.09
